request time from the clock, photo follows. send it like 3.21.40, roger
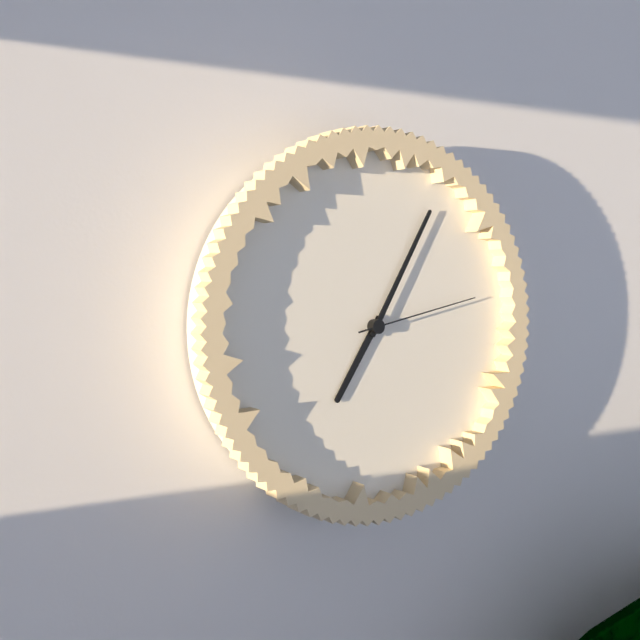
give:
7.05.13
